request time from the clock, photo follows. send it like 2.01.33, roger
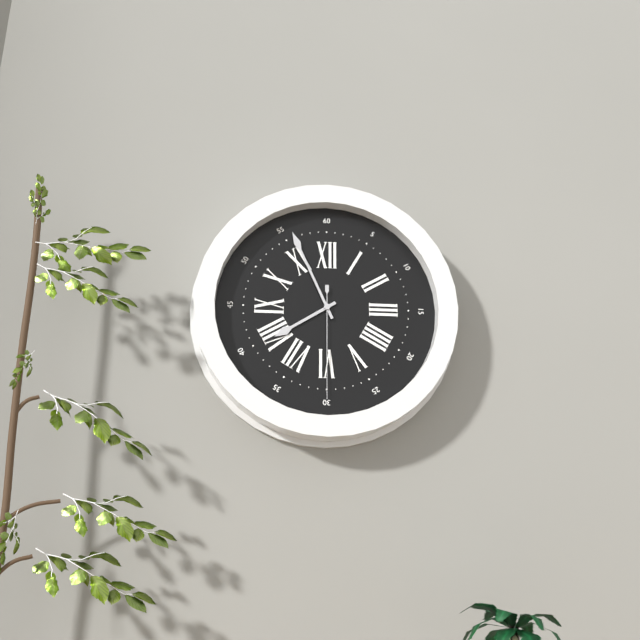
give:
7.56.30
